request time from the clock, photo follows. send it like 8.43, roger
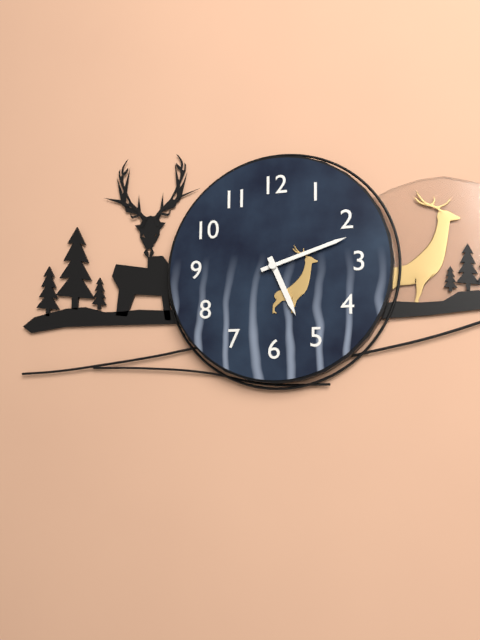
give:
5.12
